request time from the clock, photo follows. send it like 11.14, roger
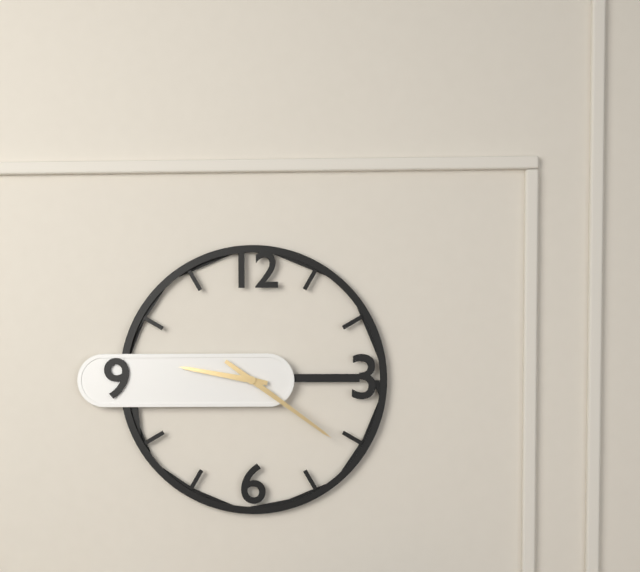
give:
9.21
